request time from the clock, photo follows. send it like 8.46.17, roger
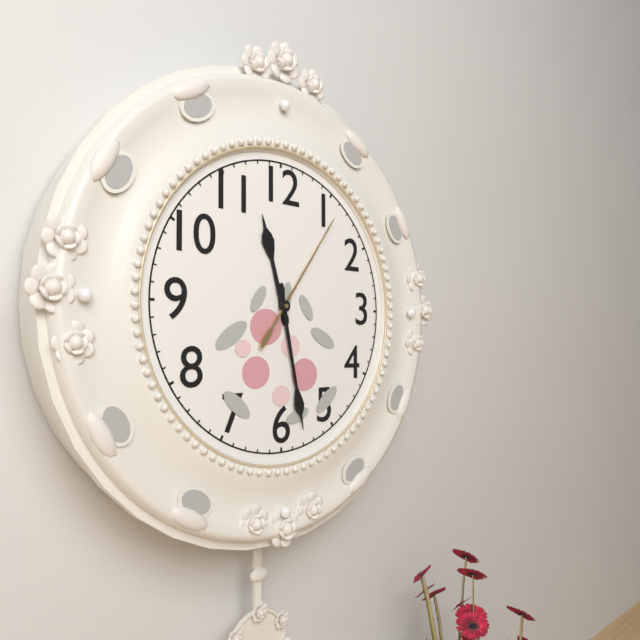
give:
11.28.06
